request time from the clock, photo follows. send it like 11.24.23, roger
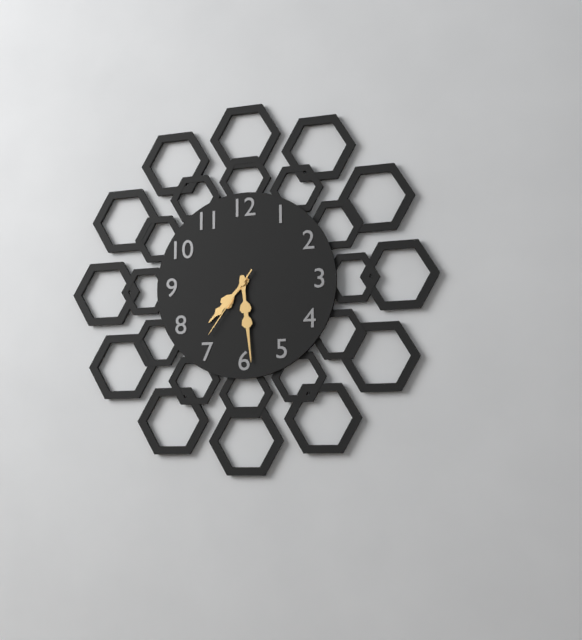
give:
7.29.36
